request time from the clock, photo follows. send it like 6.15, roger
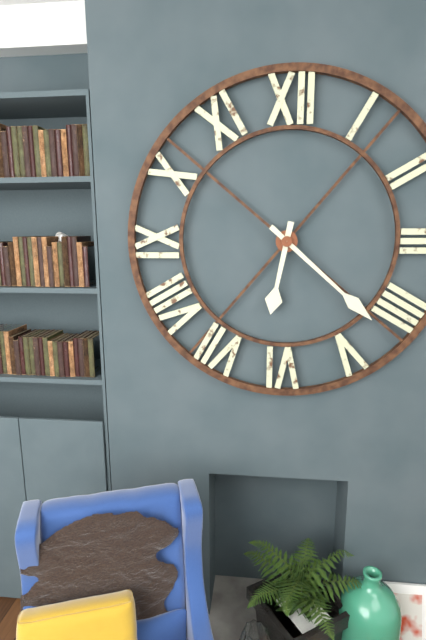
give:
6.22
